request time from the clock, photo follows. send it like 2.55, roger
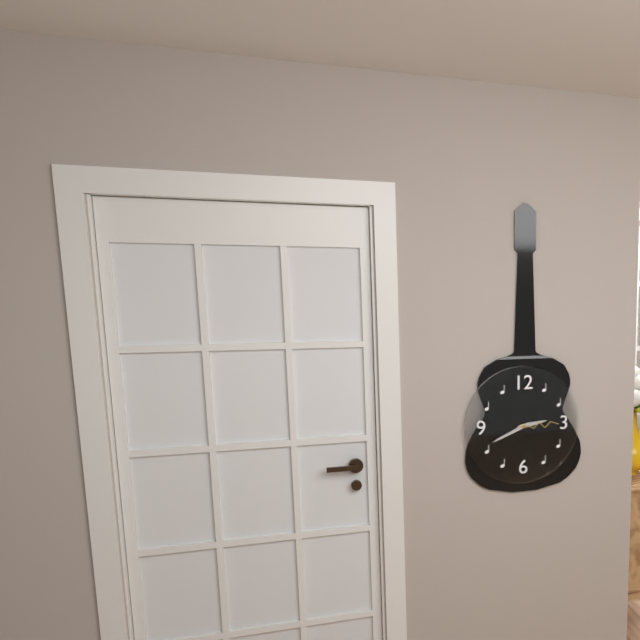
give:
2.41
